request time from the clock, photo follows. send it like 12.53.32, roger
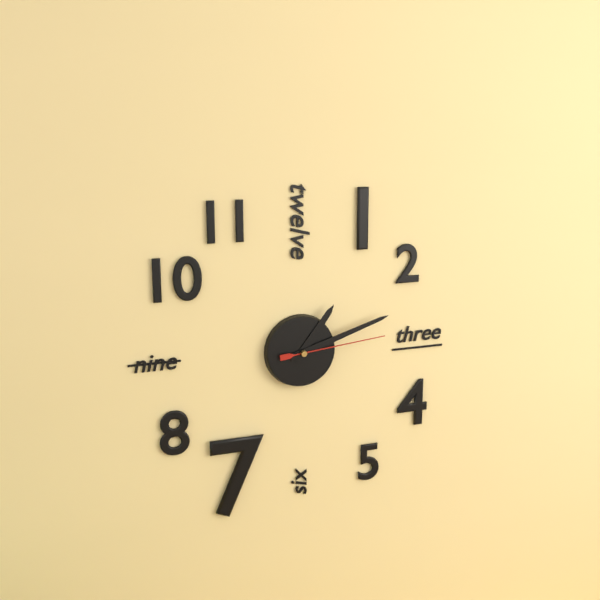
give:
1.12.14
